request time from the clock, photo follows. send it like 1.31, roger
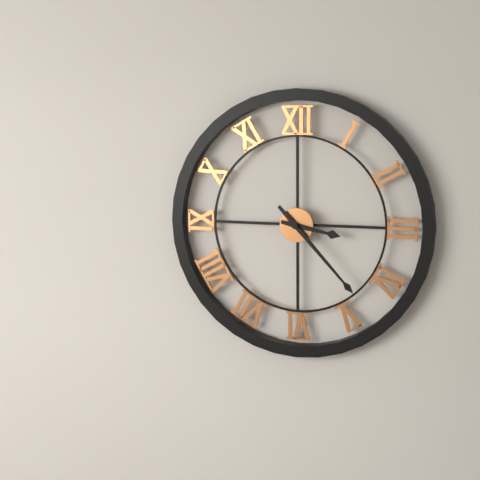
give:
3.23
